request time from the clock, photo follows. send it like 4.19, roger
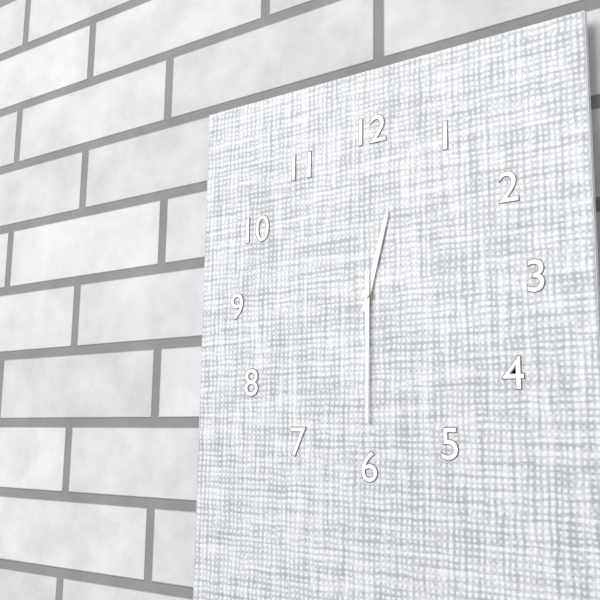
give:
12.30
